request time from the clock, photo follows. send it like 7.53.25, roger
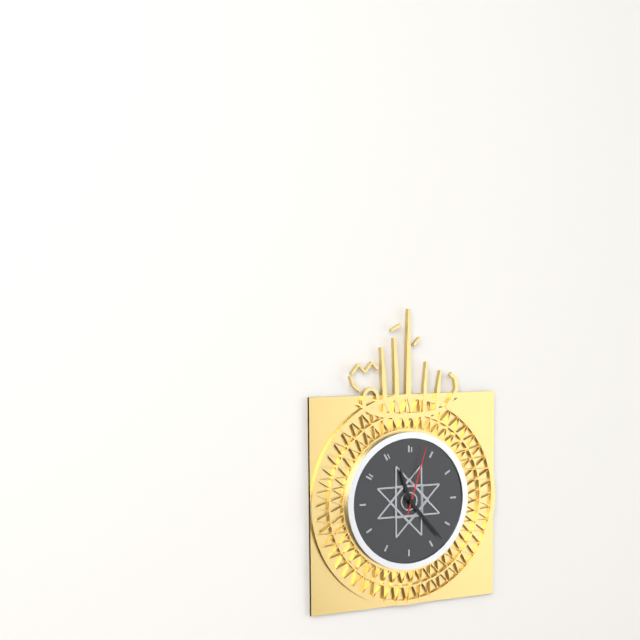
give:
11.23.03
